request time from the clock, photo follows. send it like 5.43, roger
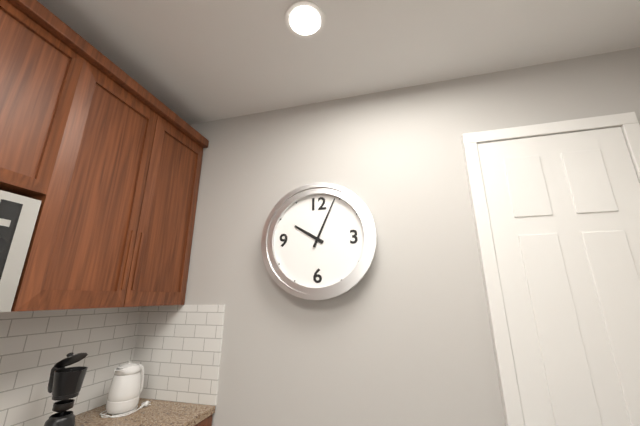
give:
10.04
